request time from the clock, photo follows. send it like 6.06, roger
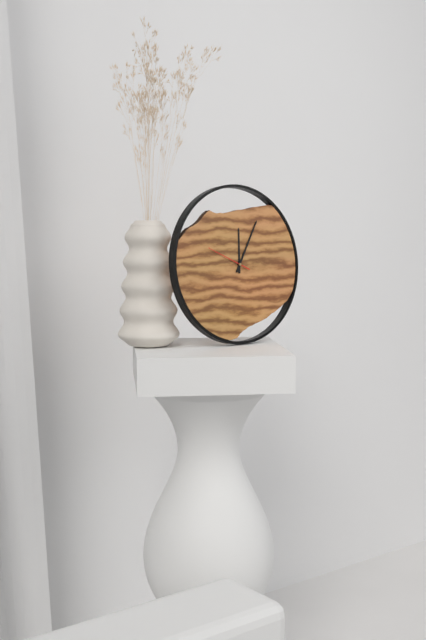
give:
12.05
